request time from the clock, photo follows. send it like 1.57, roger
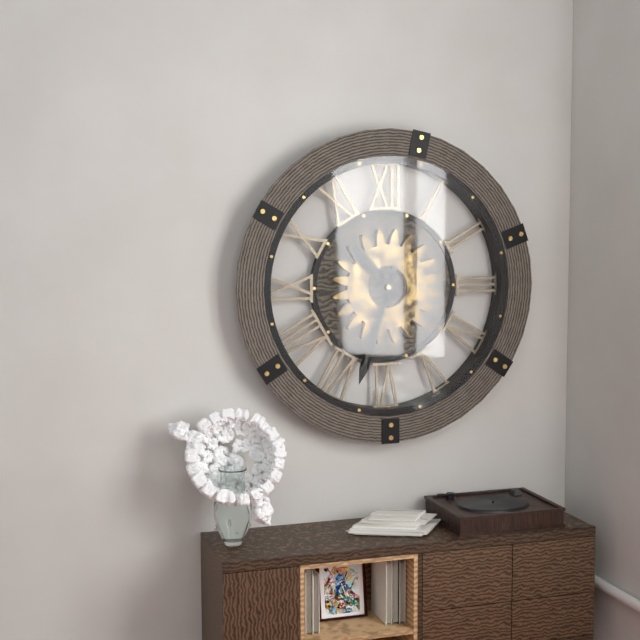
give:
10.33
